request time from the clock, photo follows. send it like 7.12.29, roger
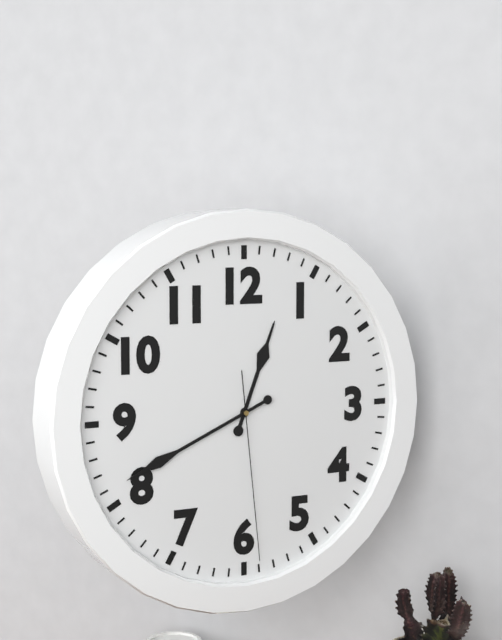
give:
12.41.29
